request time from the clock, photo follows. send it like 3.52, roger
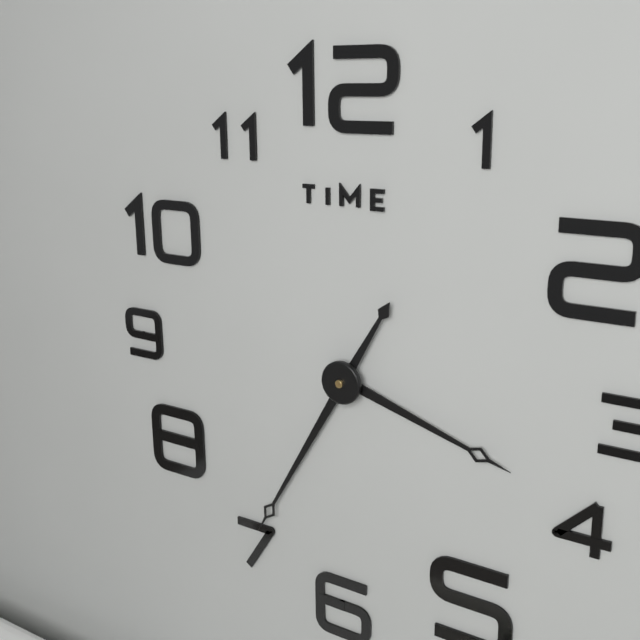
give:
3.35
